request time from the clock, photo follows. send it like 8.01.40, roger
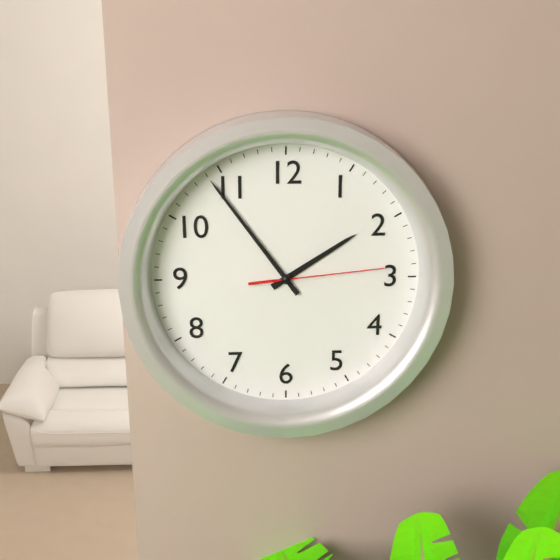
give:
1.54.14
